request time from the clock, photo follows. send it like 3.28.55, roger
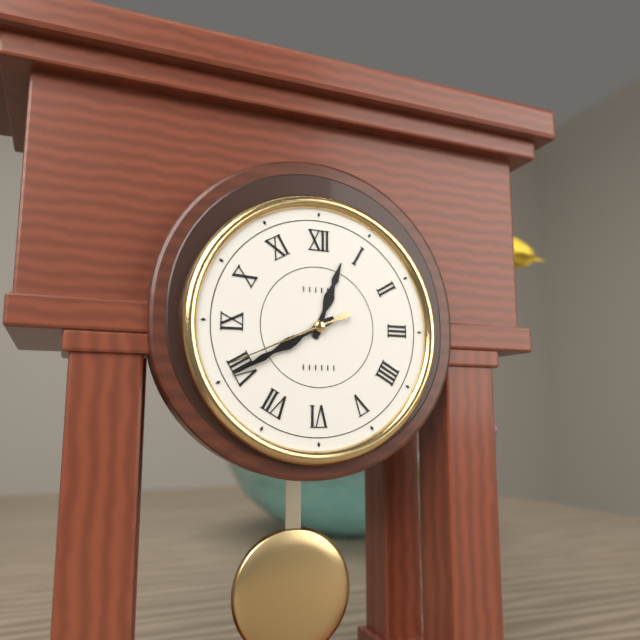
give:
12.40.41
